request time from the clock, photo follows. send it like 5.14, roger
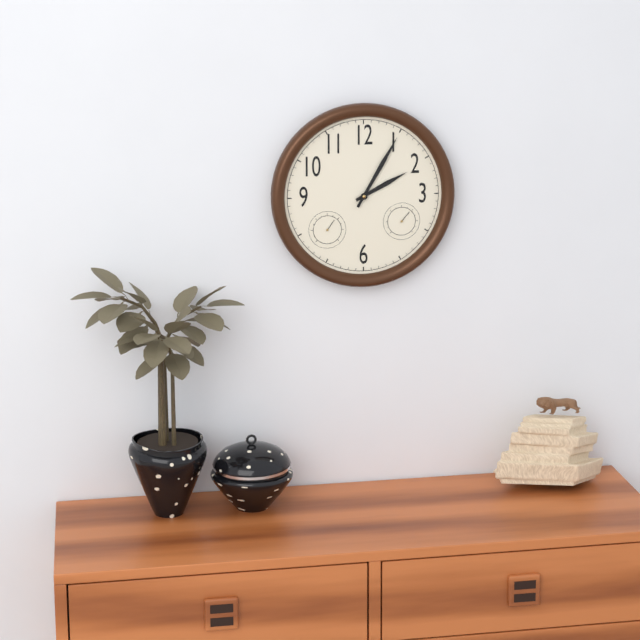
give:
2.05
